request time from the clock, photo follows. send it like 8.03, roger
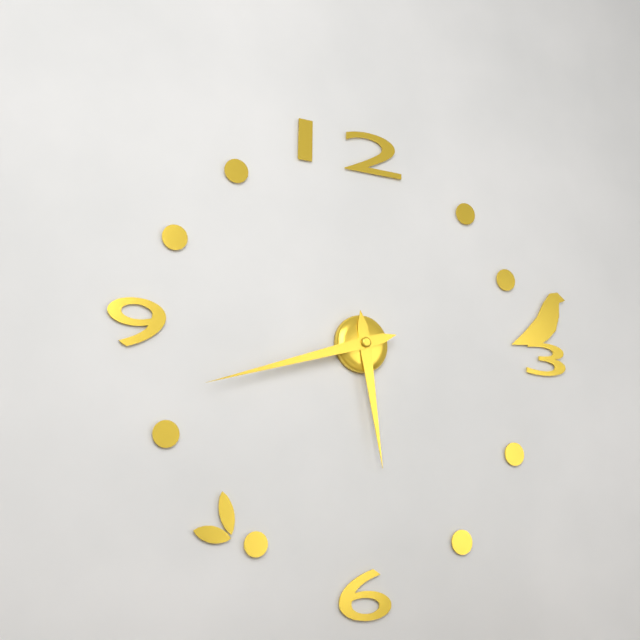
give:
5.42
